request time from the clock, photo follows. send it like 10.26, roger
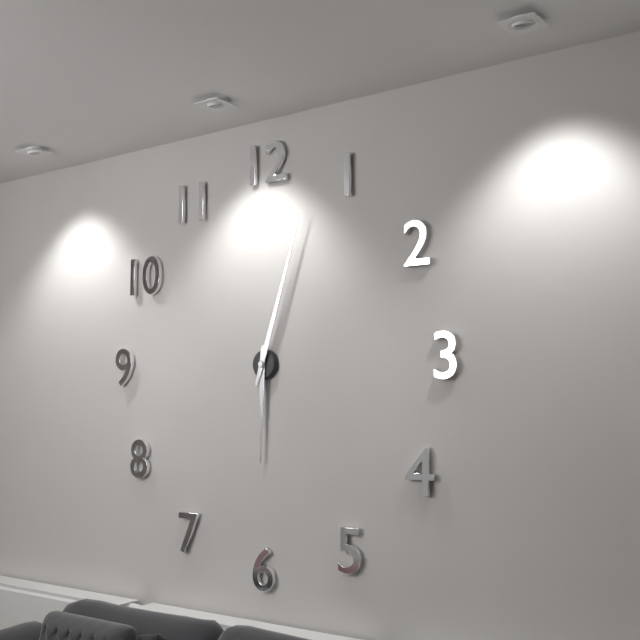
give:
6.03
